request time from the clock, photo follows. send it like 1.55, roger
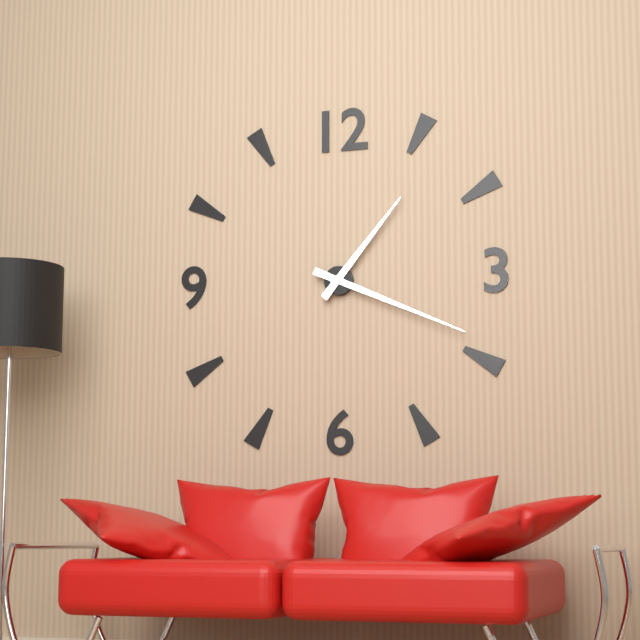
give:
1.19
